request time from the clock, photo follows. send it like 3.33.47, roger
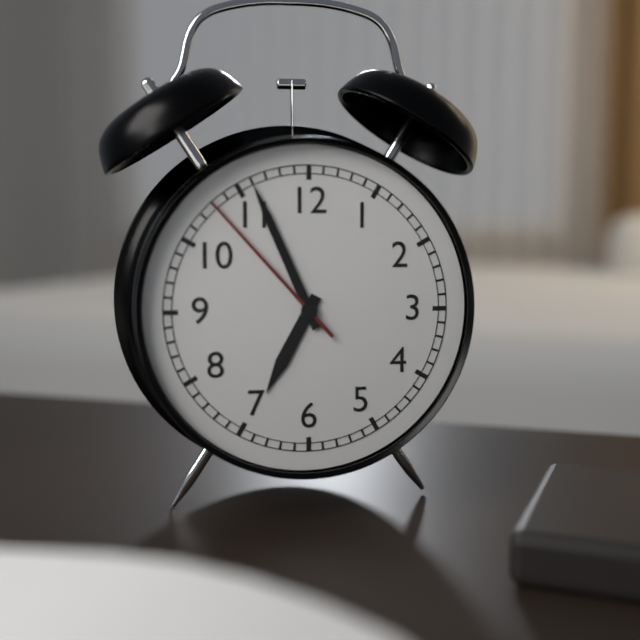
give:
6.56.53
